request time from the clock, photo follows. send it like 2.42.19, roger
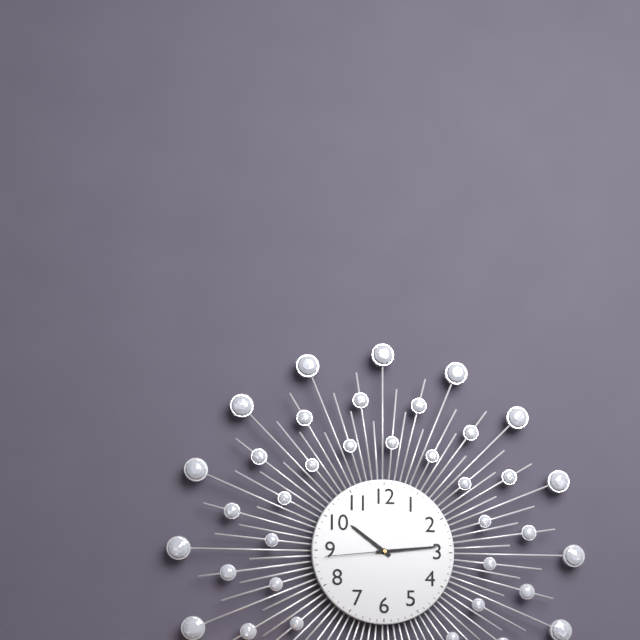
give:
10.14.44
